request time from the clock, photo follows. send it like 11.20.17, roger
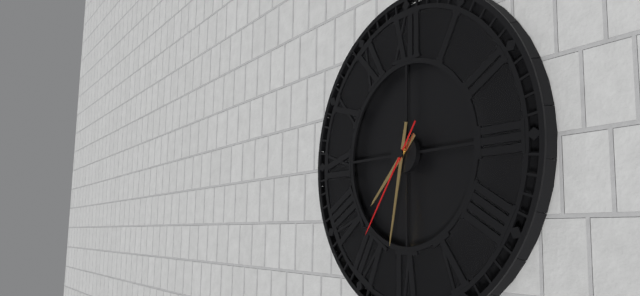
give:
7.32.36
